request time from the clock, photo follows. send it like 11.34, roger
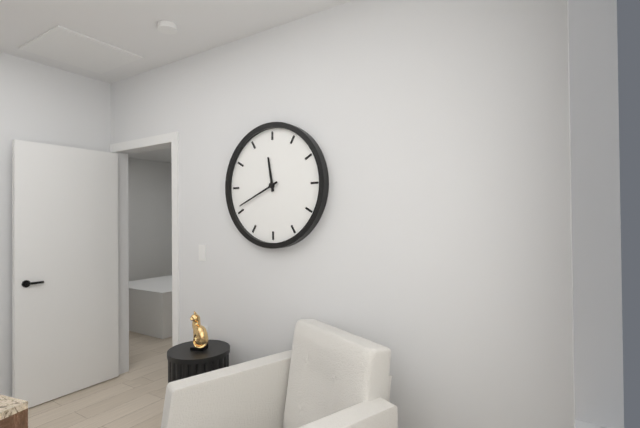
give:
11.41
